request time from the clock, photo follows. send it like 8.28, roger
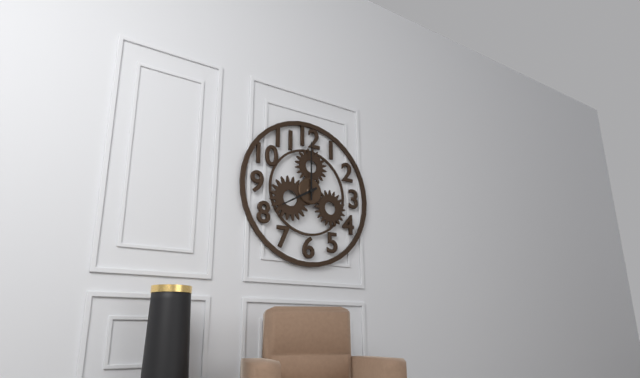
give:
8.00
